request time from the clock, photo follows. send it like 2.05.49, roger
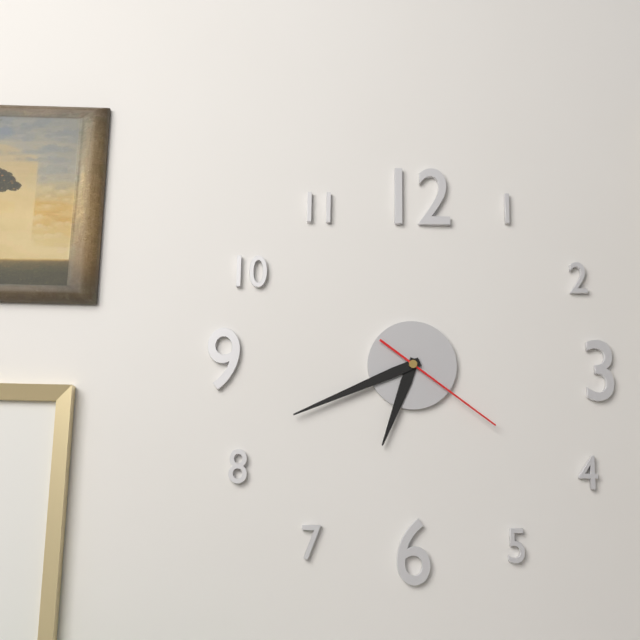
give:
6.41.21
